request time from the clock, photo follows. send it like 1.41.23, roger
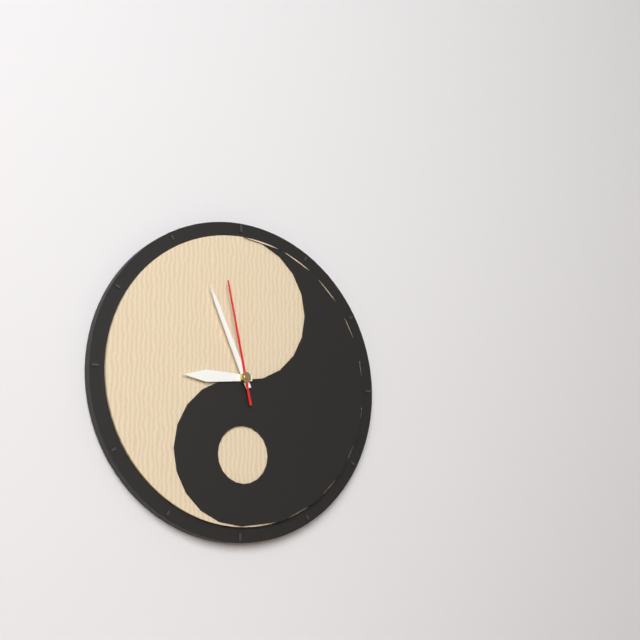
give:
8.56.58
